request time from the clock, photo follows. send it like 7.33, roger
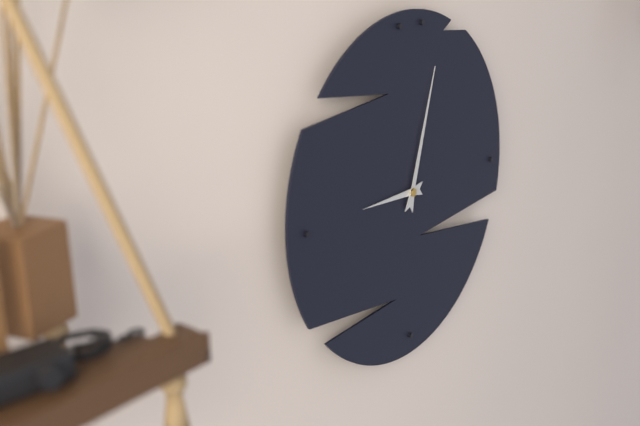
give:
9.03
